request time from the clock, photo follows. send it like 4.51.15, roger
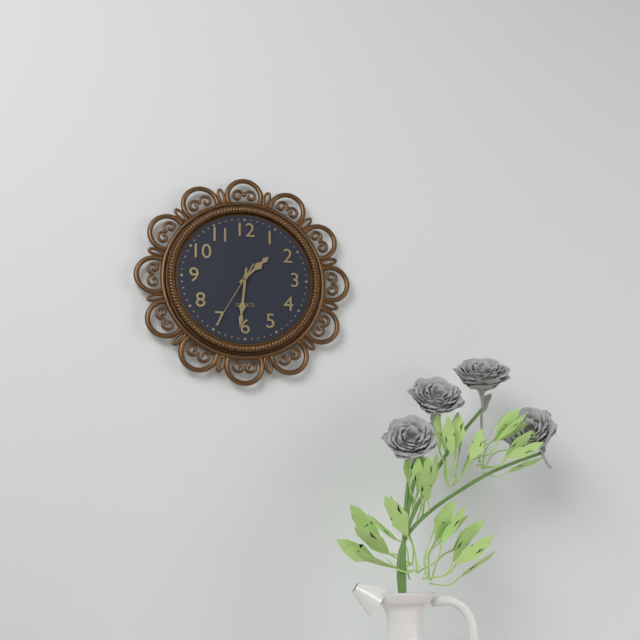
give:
1.31.35
